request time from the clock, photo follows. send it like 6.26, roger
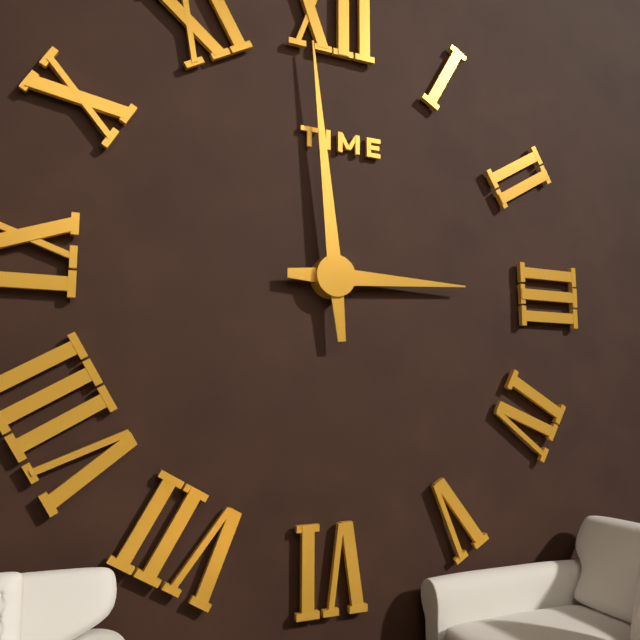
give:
2.59
